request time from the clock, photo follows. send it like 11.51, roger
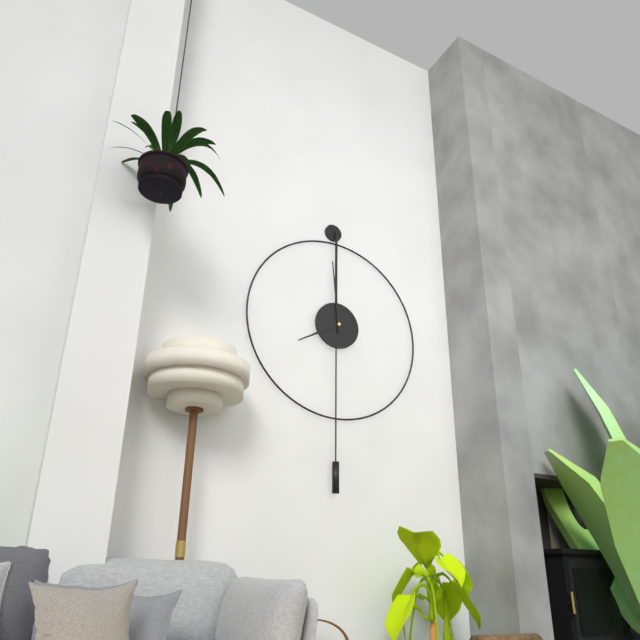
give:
7.59
